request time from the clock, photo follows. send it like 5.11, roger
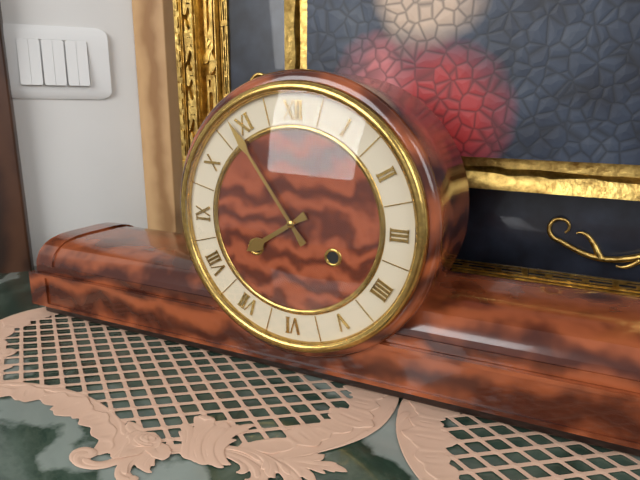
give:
7.54
